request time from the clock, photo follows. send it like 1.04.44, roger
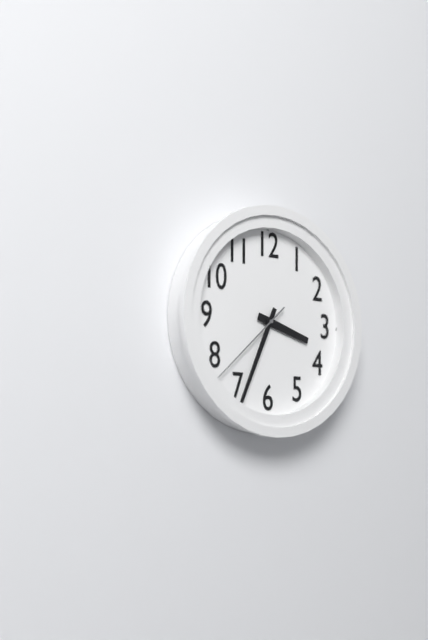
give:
3.34.38
